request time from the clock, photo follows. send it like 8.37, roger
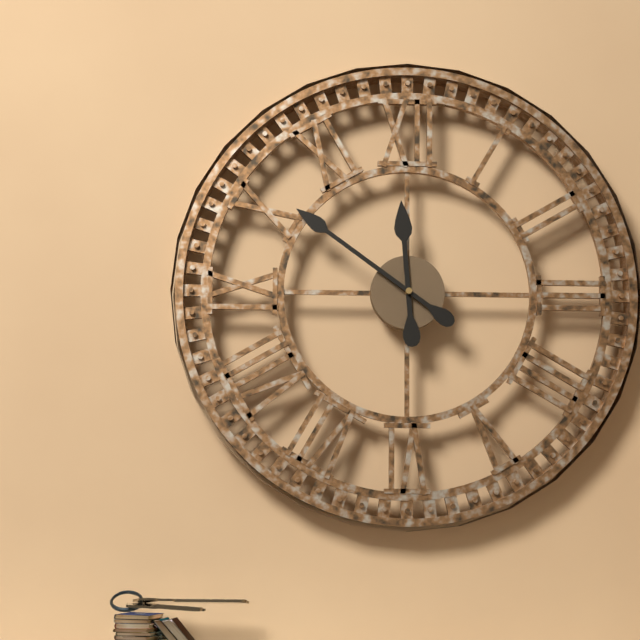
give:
11.51
